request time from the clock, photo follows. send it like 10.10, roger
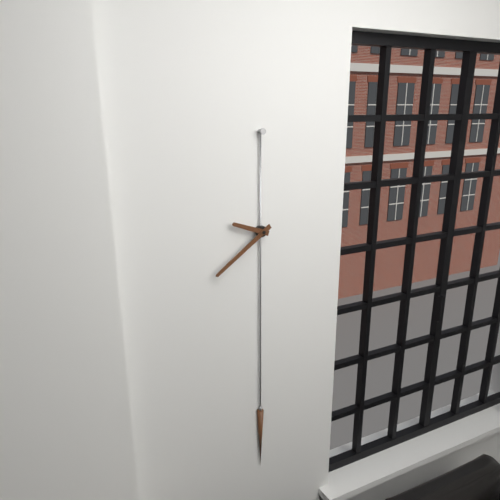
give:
9.39
